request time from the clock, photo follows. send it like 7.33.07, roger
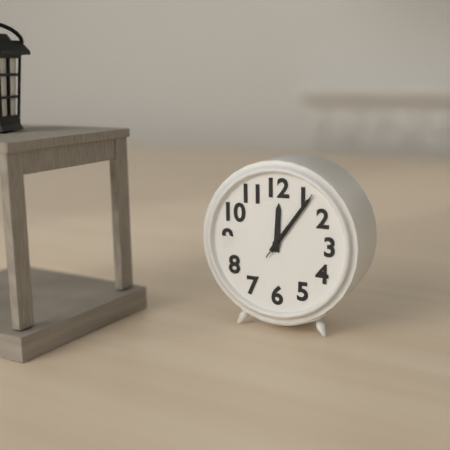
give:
12.06.06
